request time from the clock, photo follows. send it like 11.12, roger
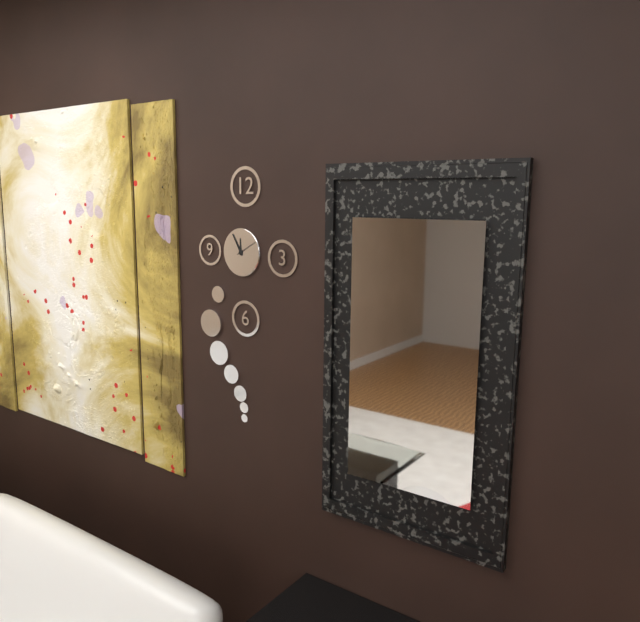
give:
11.55
